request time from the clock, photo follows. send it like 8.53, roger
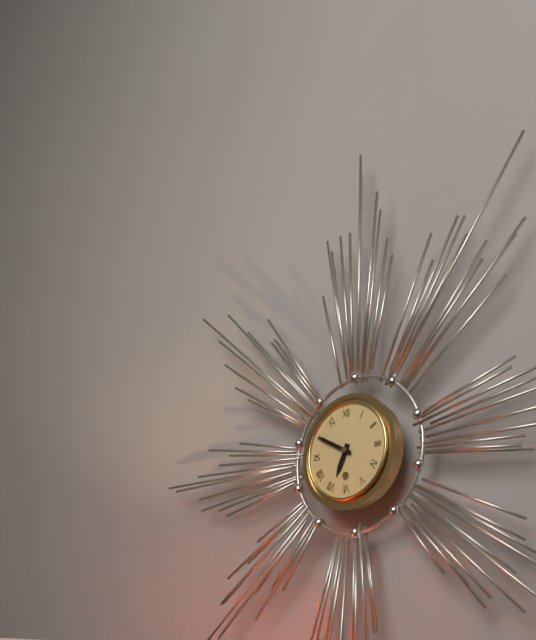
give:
6.50
